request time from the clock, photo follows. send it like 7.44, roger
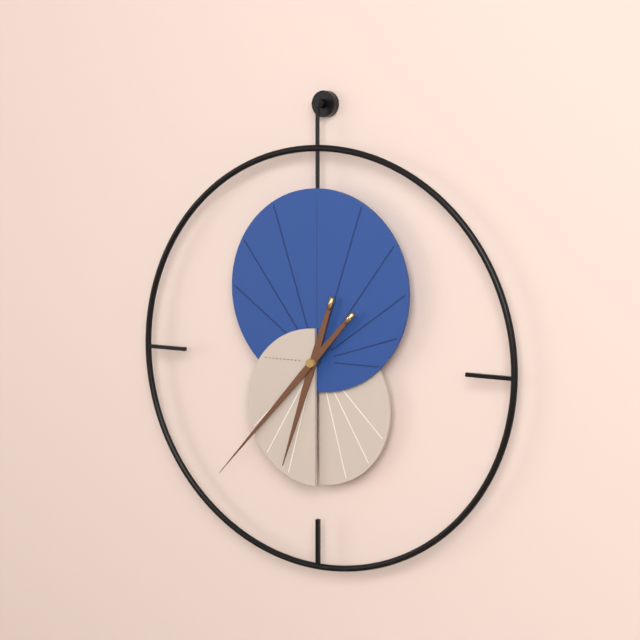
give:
6.37
